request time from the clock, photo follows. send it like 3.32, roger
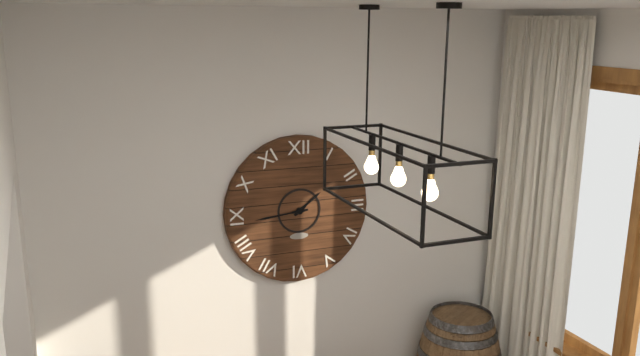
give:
1.44
